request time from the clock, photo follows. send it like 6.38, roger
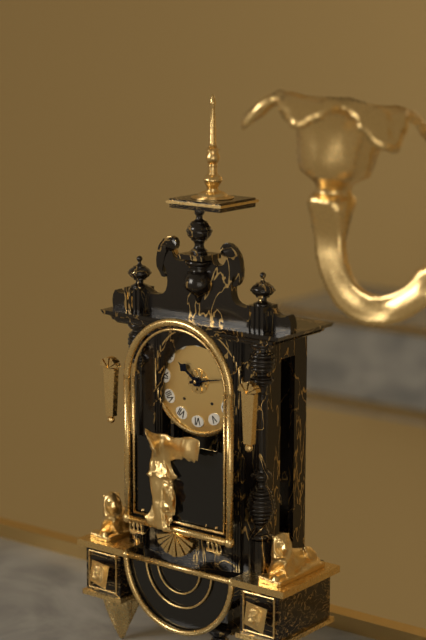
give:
10.13
